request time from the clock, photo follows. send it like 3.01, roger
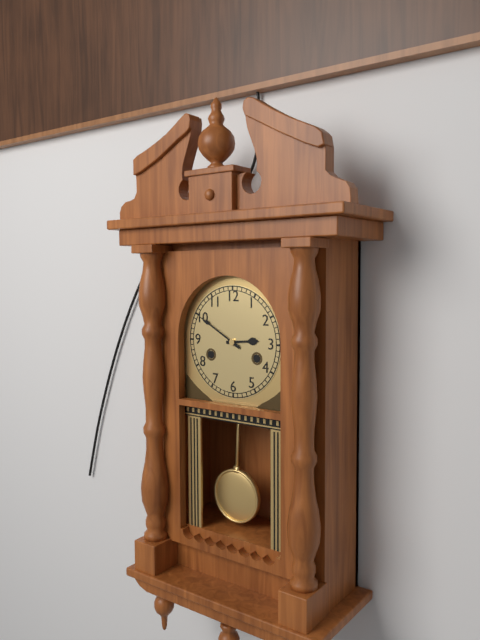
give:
2.50
